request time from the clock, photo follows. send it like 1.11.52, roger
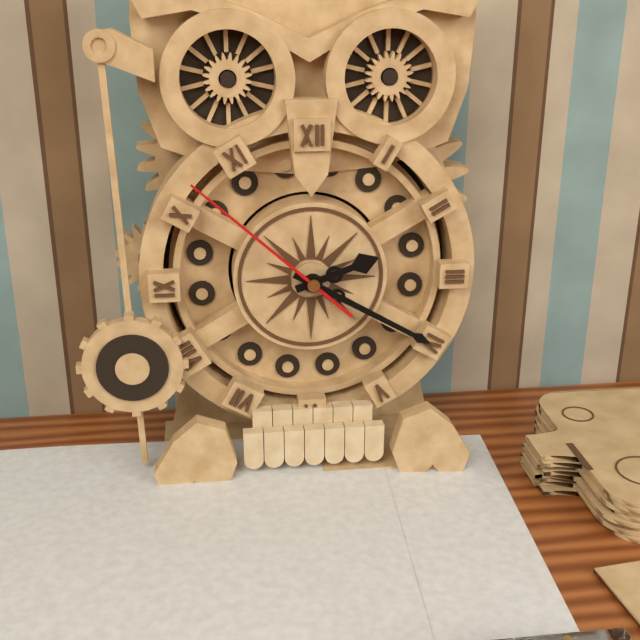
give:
2.20.52
